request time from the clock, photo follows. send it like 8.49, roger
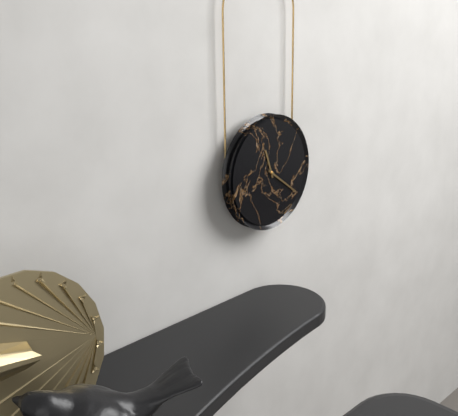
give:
11.21
